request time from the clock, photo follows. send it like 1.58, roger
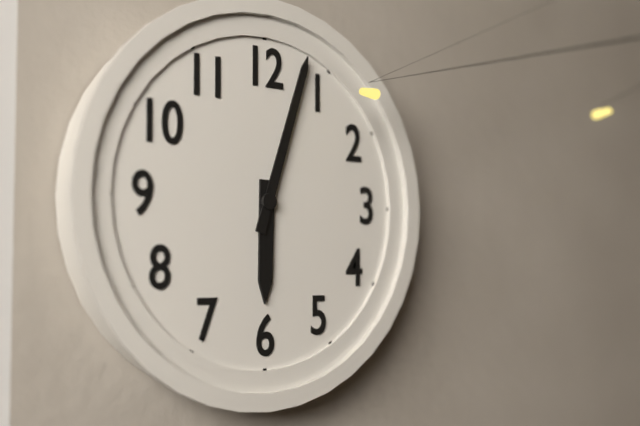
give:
6.03
